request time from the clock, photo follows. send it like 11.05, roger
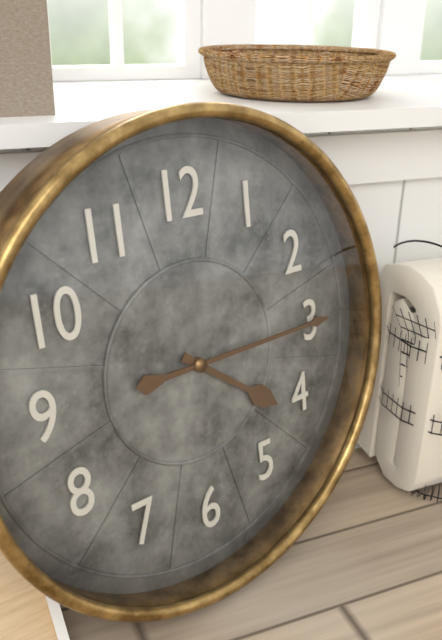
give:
4.15
